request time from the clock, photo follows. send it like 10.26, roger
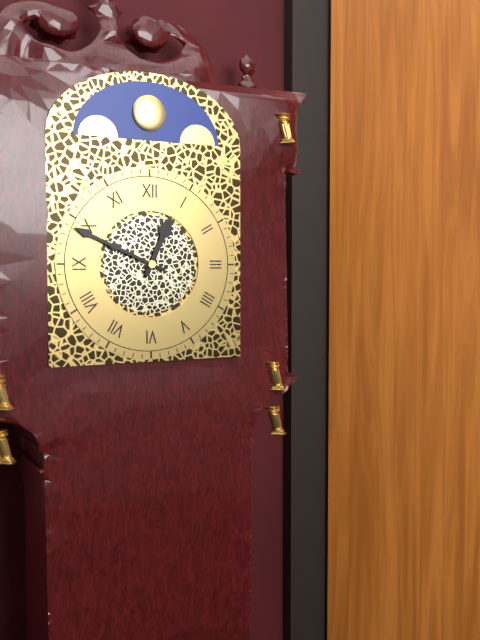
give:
12.49
